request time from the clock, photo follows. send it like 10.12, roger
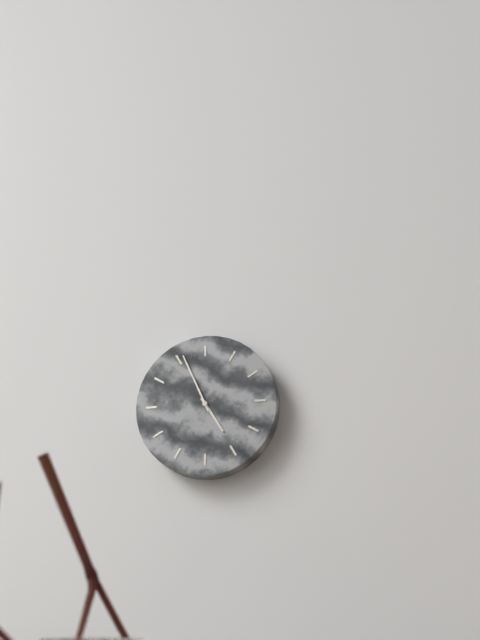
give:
4.56
